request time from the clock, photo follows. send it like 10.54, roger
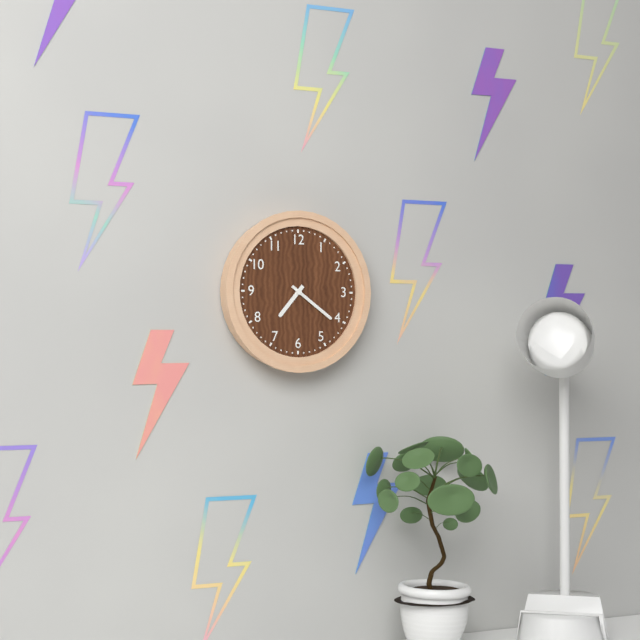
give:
7.21
